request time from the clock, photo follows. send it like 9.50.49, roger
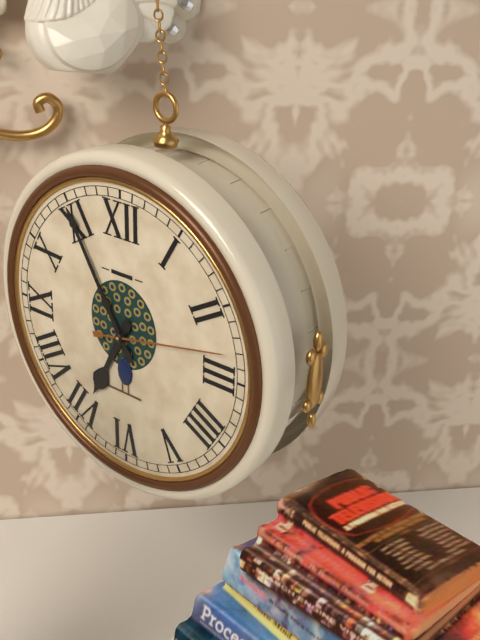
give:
6.55.13
